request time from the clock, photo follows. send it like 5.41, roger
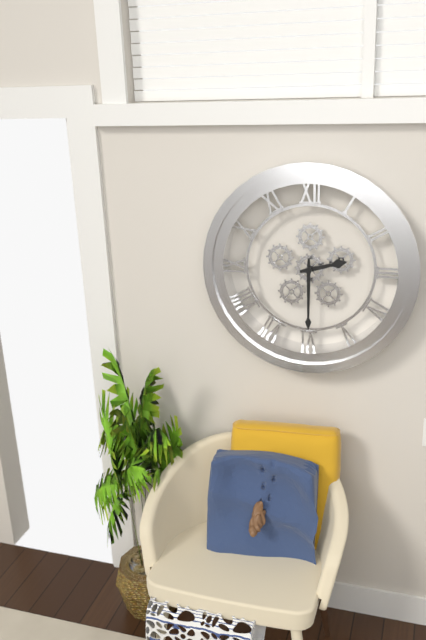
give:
2.30
